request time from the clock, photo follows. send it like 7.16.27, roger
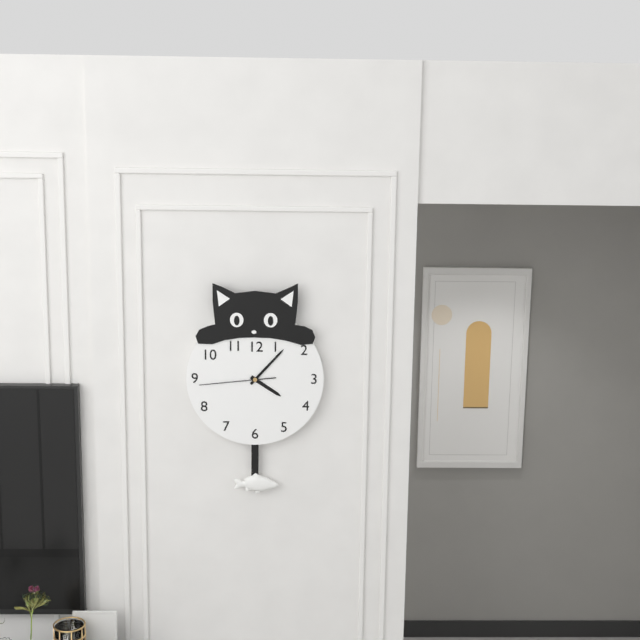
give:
4.07.44
